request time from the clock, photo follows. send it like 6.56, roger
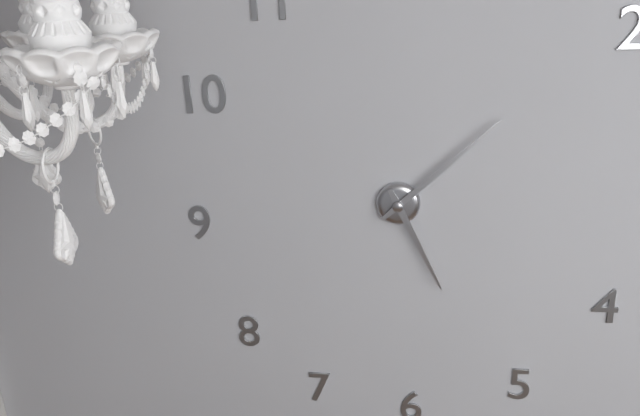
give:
5.08
